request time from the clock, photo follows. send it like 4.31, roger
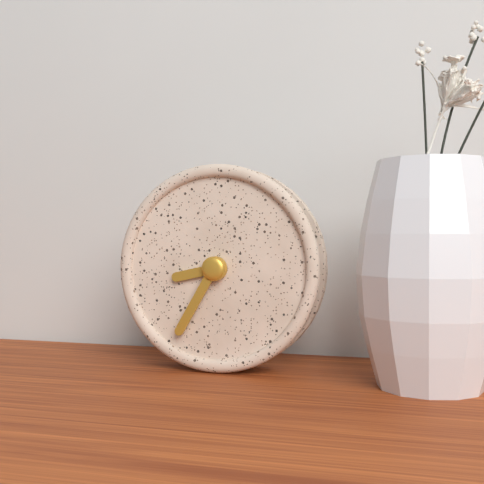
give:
8.35
